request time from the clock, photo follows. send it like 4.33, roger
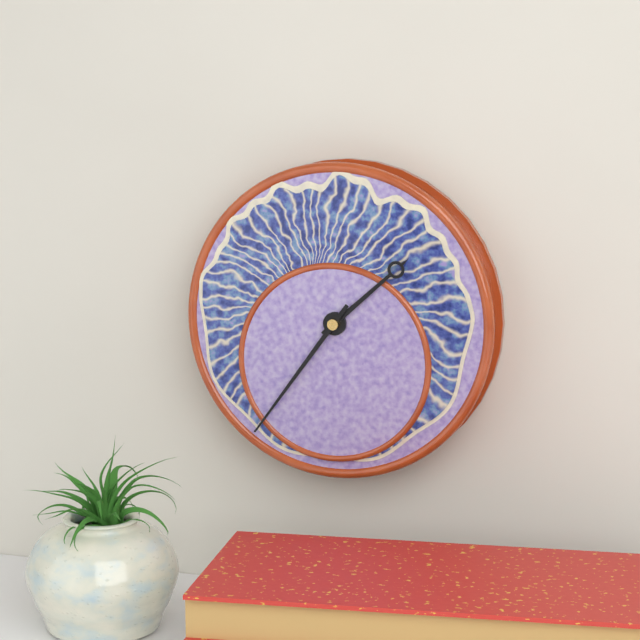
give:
1.36
